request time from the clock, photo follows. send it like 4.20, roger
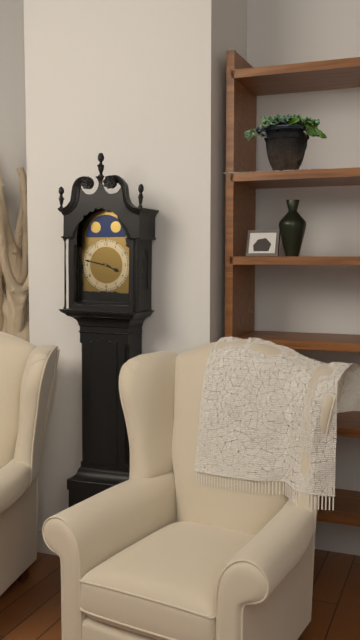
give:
3.47
